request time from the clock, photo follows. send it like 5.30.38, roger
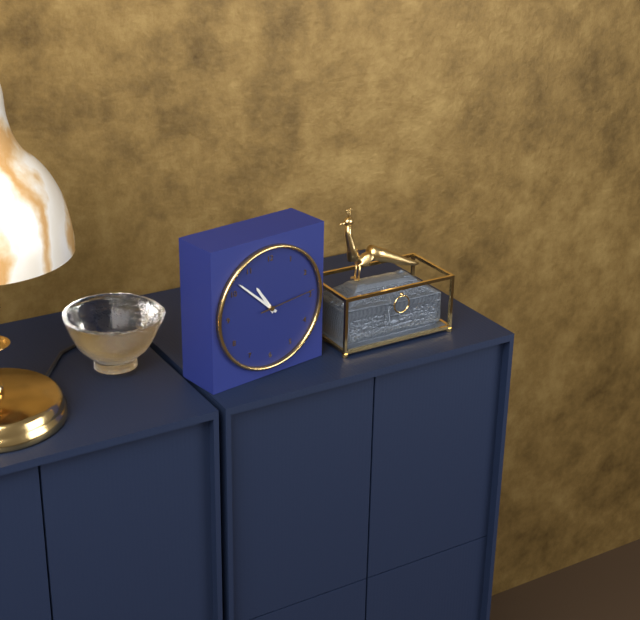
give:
10.52.14
